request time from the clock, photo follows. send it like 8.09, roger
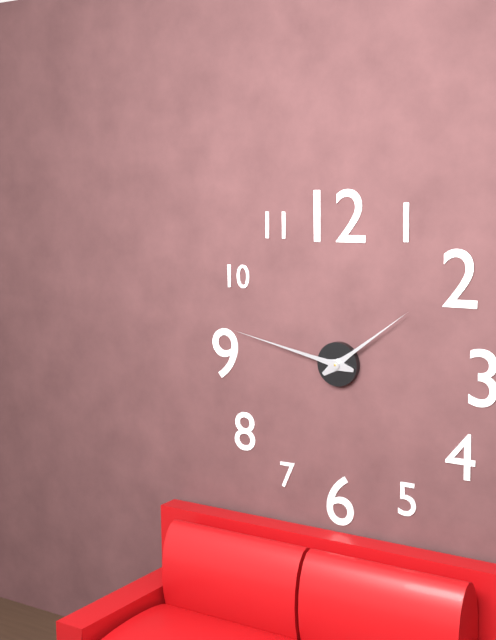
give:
1.47
